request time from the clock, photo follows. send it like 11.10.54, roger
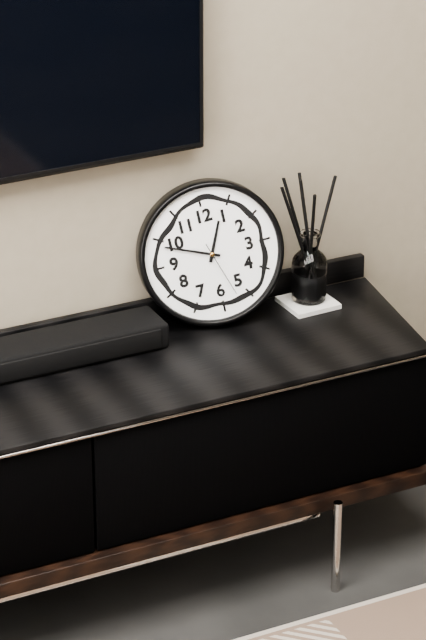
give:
12.49.27
